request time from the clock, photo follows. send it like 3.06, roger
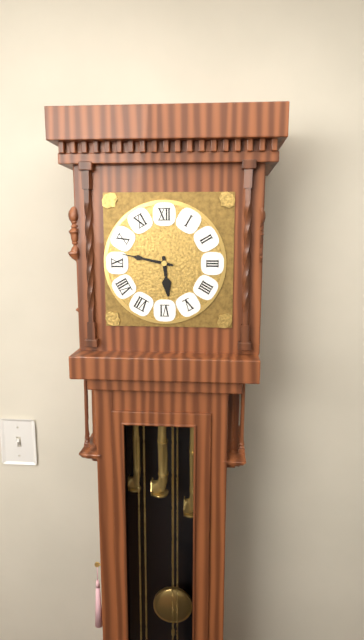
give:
5.47
